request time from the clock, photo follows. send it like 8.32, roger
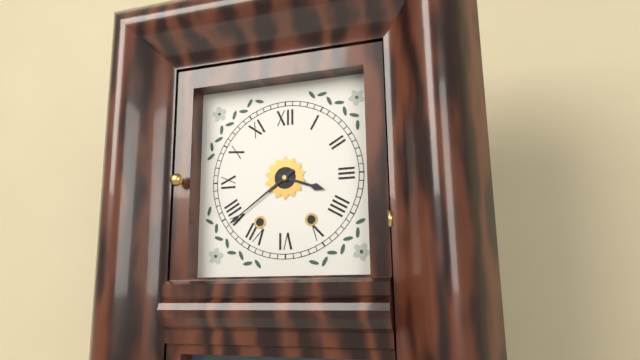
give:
3.39
